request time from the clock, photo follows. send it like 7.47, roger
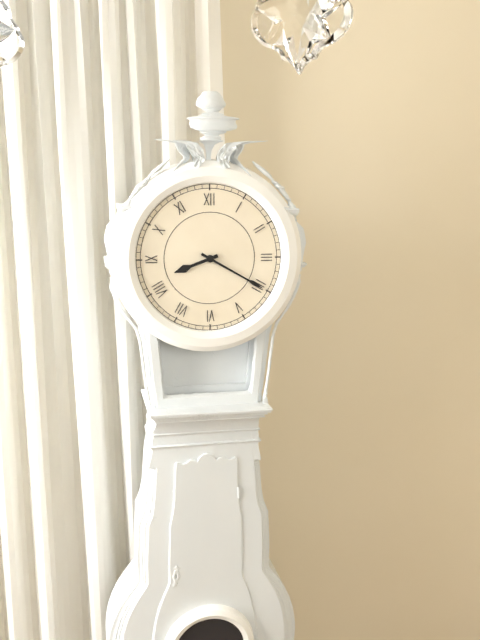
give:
8.20
